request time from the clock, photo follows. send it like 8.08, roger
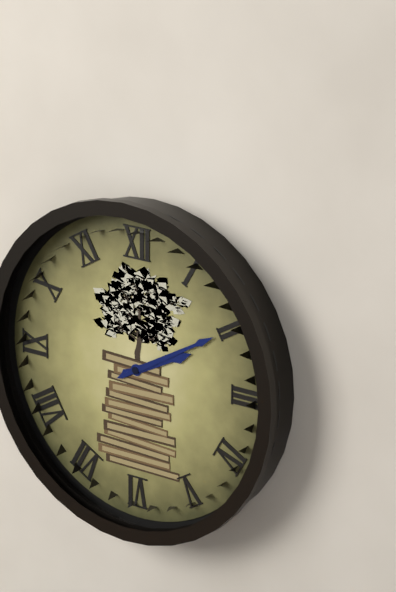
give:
2.10
